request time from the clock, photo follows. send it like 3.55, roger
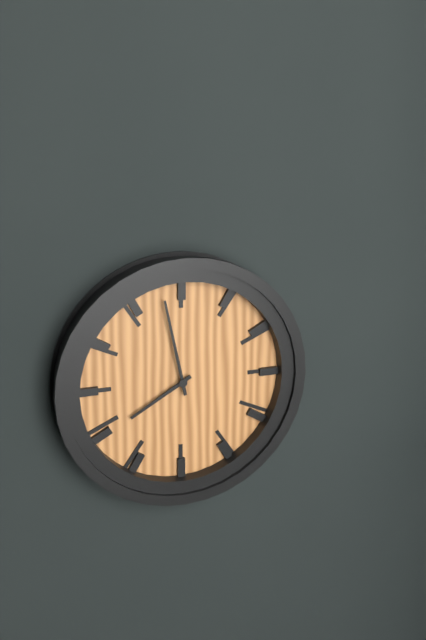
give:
7.58
